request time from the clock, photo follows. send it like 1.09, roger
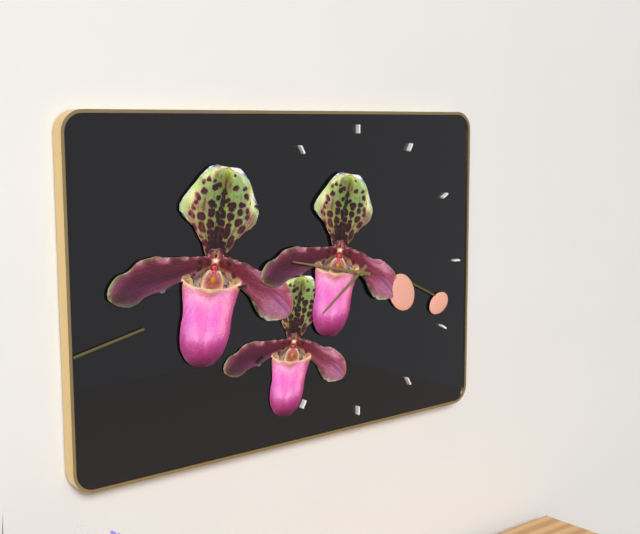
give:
7.47
